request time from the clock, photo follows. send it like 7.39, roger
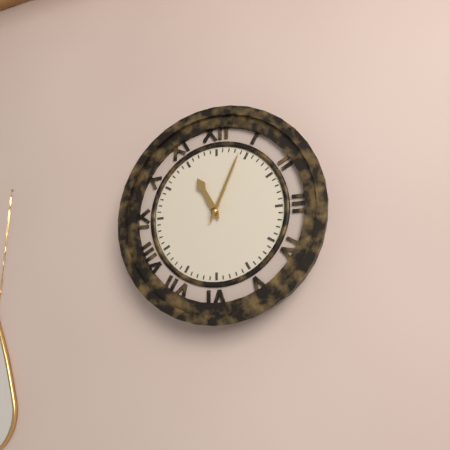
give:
11.04
